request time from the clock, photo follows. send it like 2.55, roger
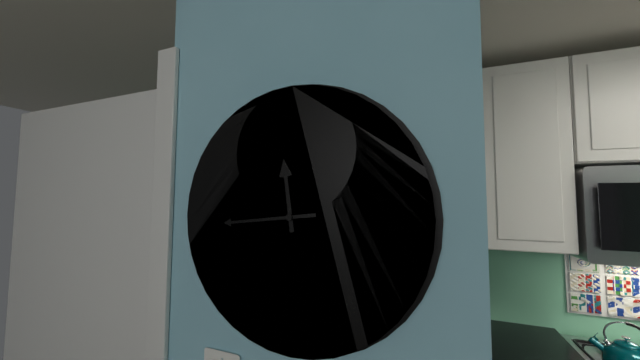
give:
11.44
